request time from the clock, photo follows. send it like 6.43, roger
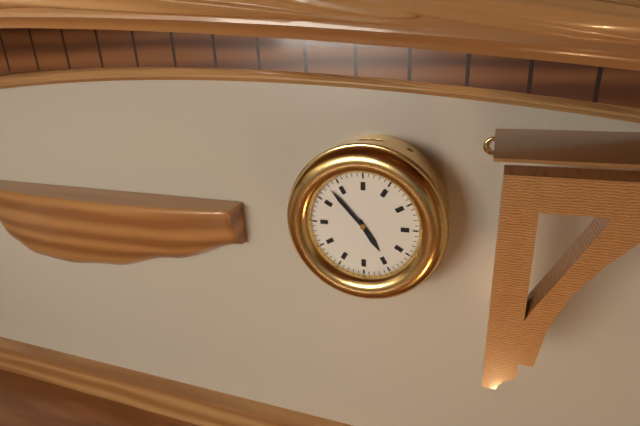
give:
4.53
